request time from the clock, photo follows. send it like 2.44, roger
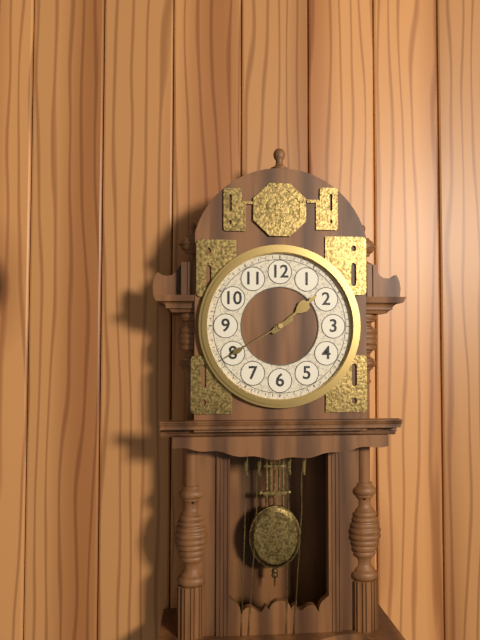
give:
1.40
